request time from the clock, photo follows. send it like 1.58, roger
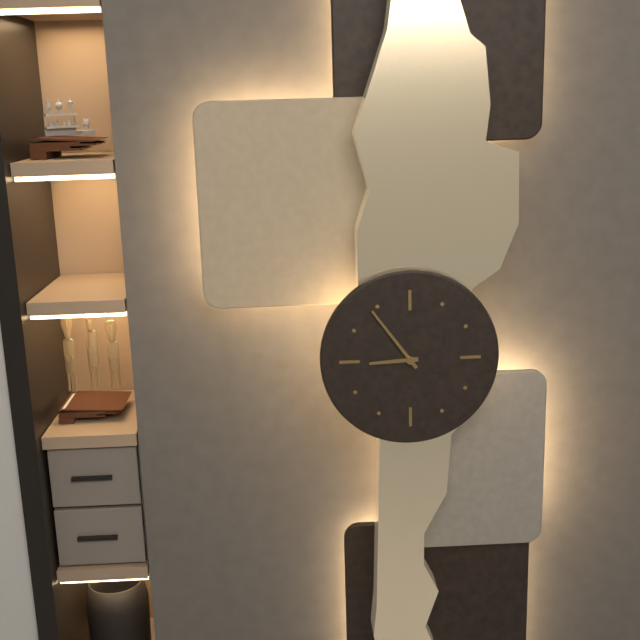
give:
8.54
